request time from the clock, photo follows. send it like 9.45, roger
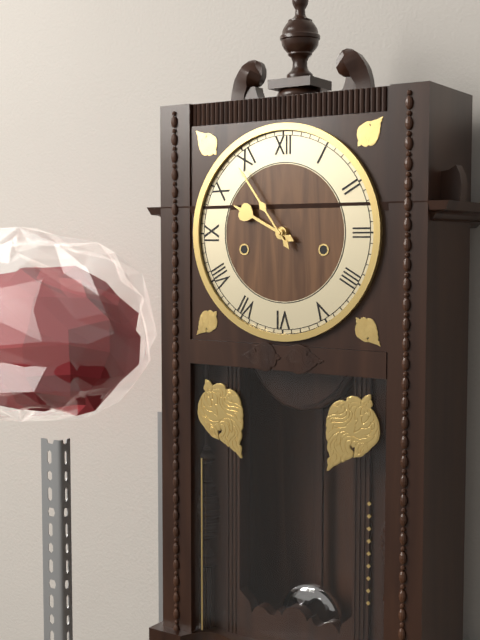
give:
9.54
